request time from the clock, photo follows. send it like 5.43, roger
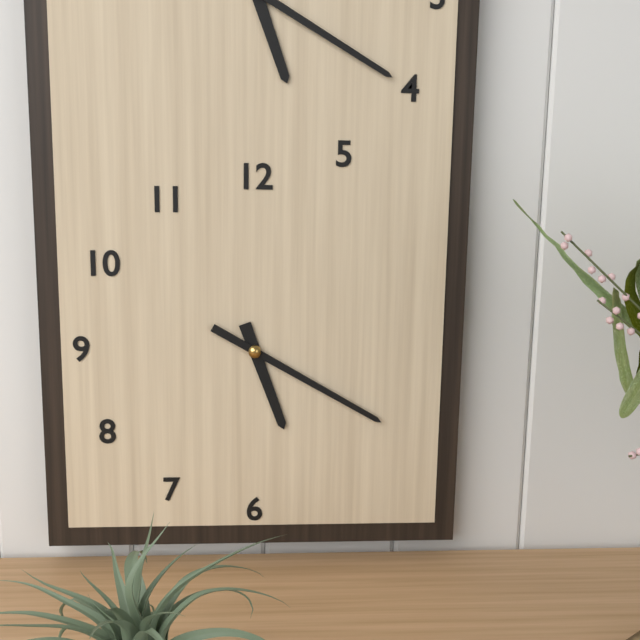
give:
5.20
